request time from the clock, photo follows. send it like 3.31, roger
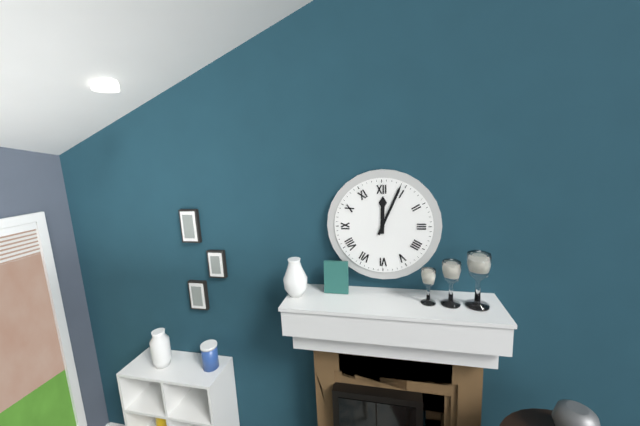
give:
12.04
